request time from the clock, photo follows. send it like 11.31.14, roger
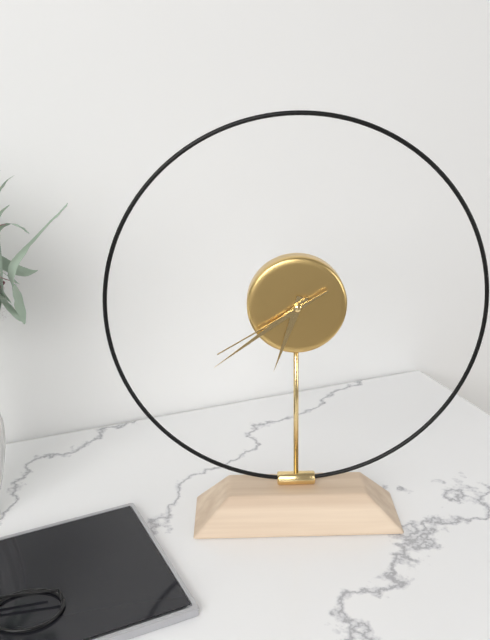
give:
6.39.40
